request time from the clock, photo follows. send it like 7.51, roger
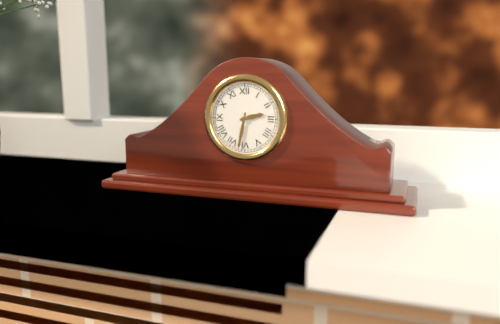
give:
2.32
